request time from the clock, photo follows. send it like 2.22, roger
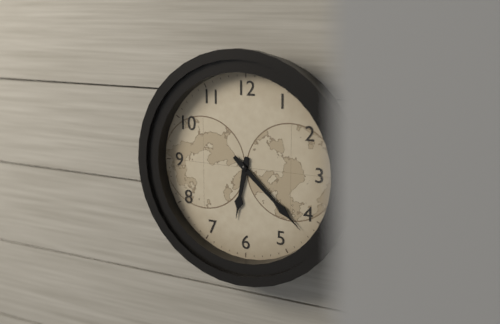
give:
6.22
